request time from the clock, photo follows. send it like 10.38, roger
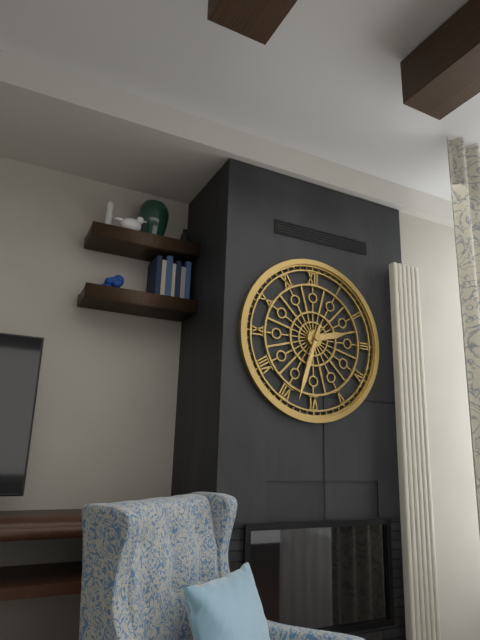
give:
2.33
